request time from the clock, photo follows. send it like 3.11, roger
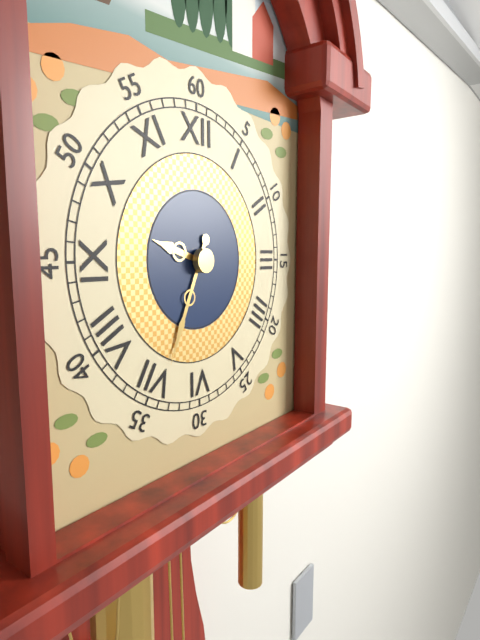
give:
9.34
